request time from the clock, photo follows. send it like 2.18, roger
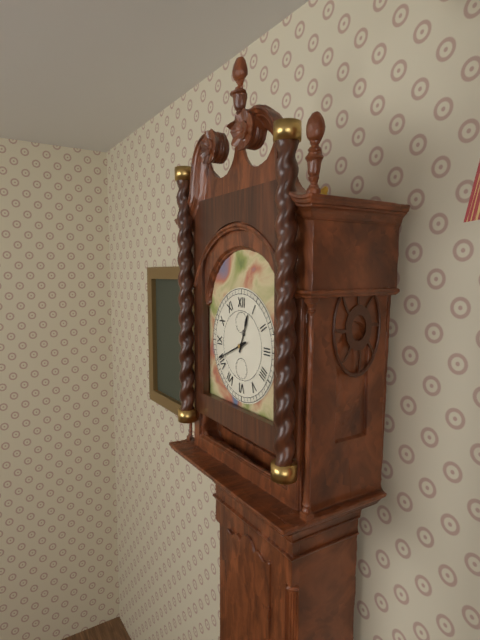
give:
12.41
